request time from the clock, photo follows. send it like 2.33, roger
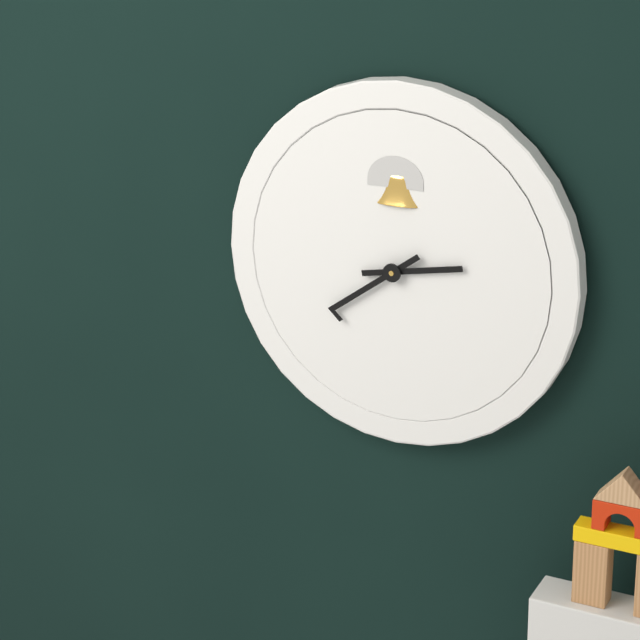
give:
2.39
